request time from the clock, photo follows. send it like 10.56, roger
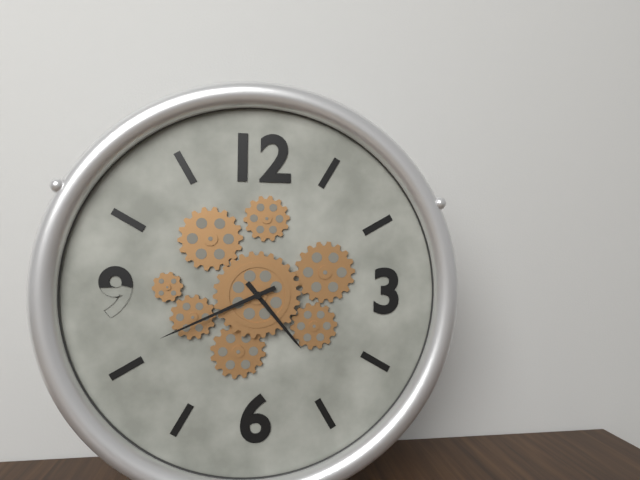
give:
4.41
